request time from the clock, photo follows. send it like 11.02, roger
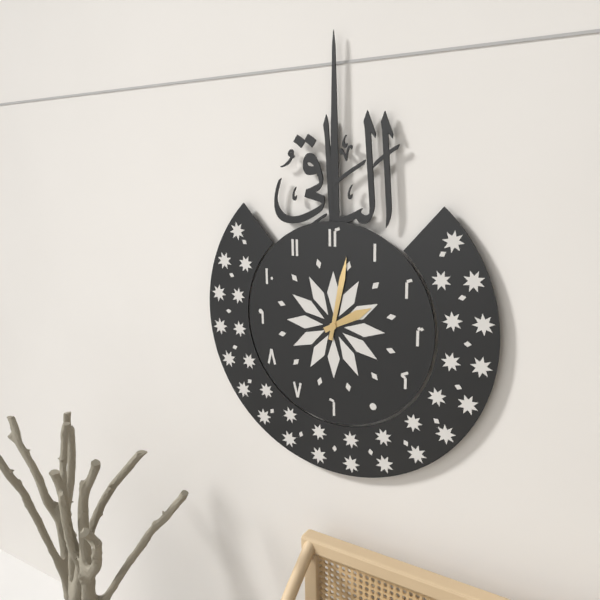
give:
2.02
